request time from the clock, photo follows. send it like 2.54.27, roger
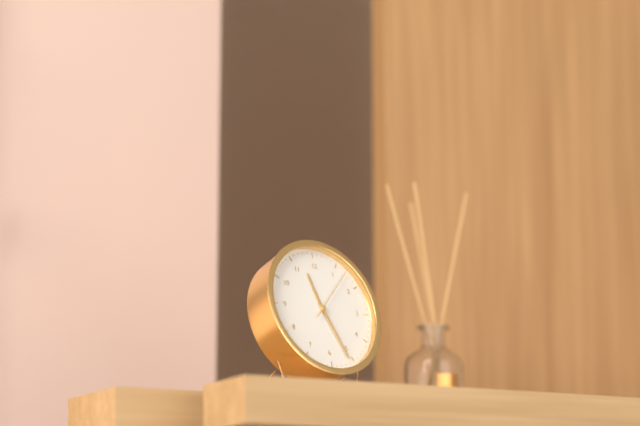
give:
11.26.07
